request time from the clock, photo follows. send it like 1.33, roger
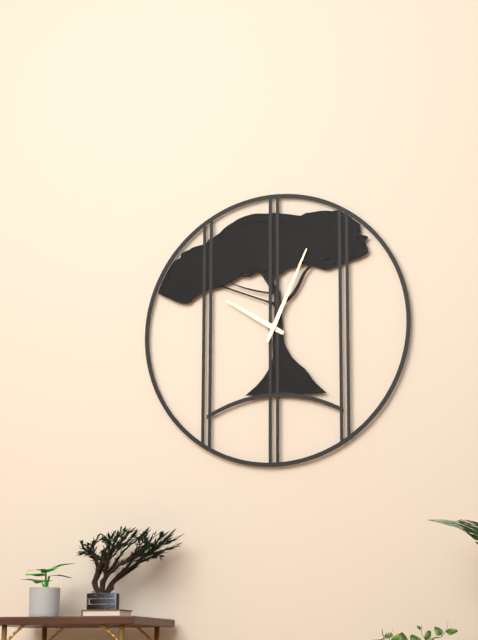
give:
10.04
